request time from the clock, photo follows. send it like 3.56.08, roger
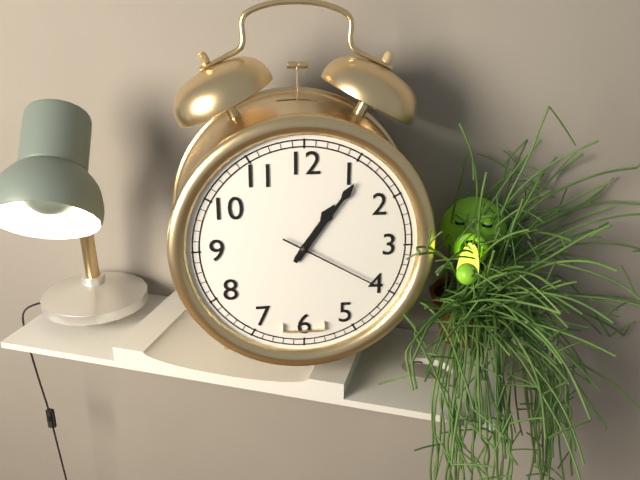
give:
1.06.20
